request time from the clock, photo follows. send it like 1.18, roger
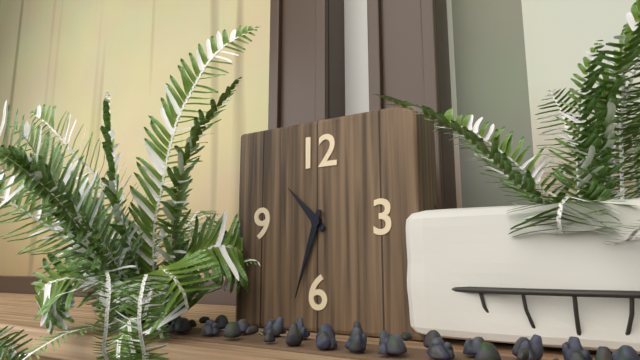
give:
10.33
